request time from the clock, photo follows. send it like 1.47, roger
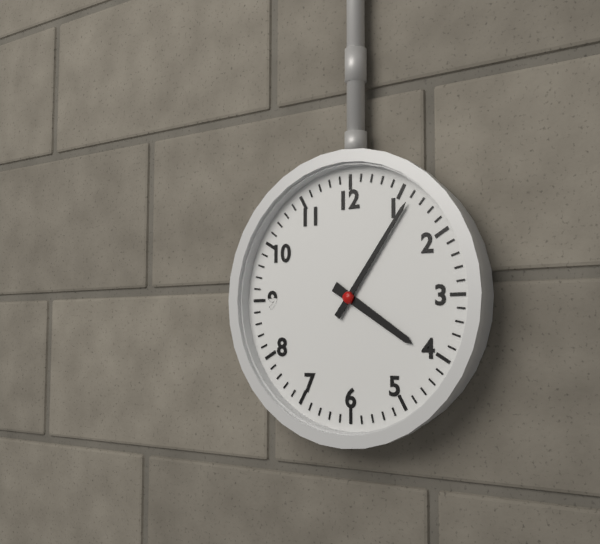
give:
4.06
